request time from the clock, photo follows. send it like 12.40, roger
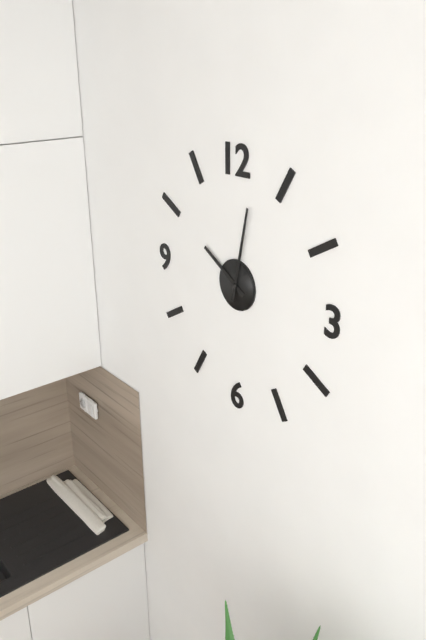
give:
10.02
